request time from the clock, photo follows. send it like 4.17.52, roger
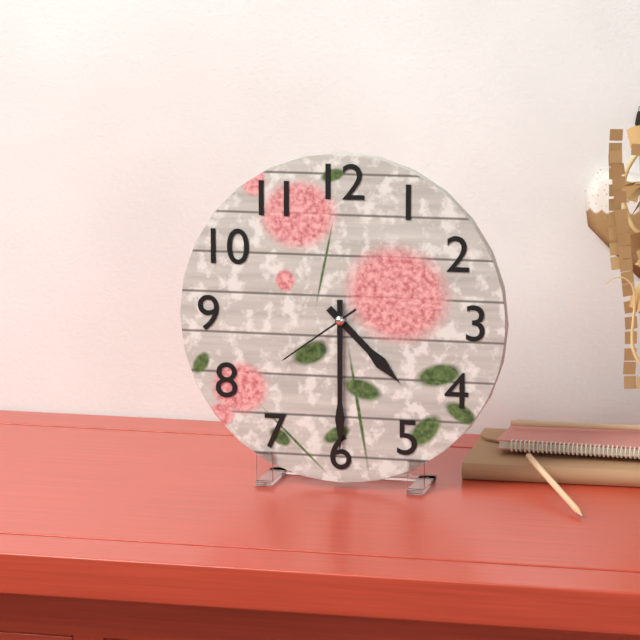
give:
4.30.39
